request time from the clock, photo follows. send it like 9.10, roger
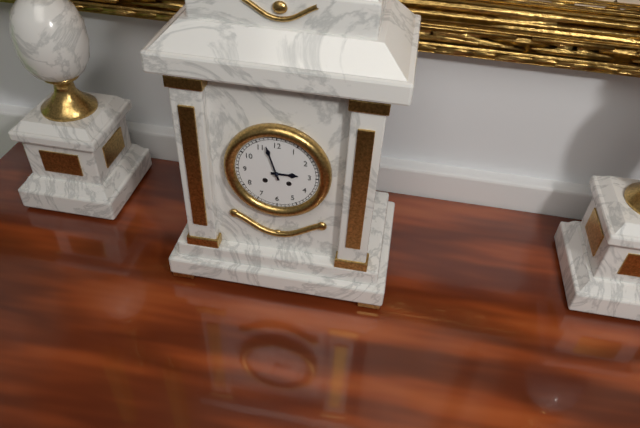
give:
2.57
